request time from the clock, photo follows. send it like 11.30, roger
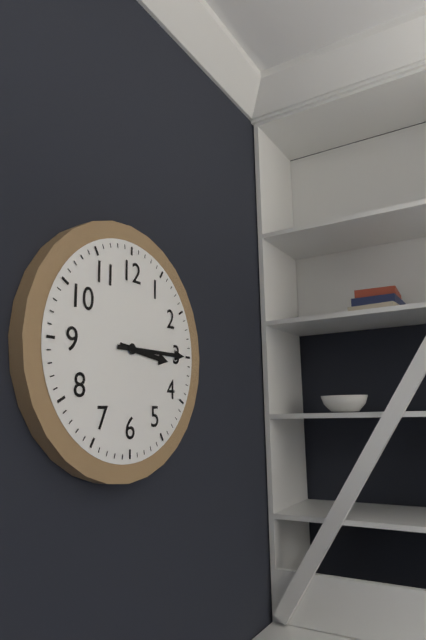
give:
3.15
